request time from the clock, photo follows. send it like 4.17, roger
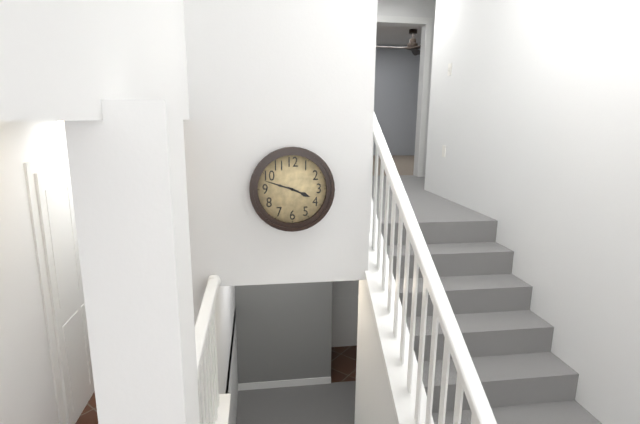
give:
3.48
